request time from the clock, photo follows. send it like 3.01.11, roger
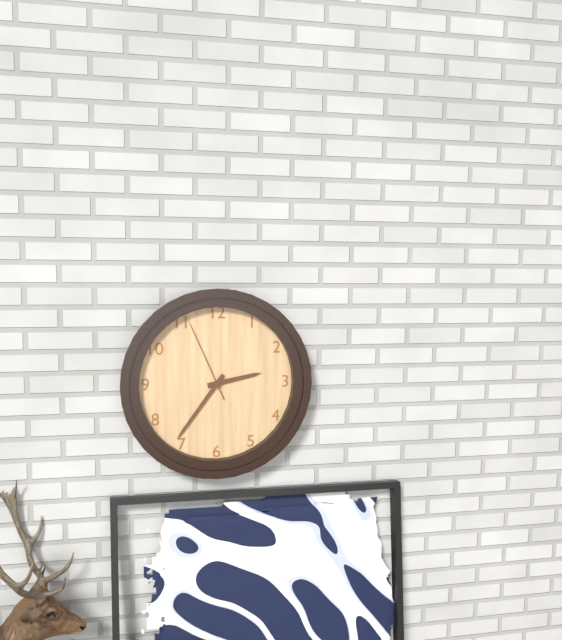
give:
2.36.56
